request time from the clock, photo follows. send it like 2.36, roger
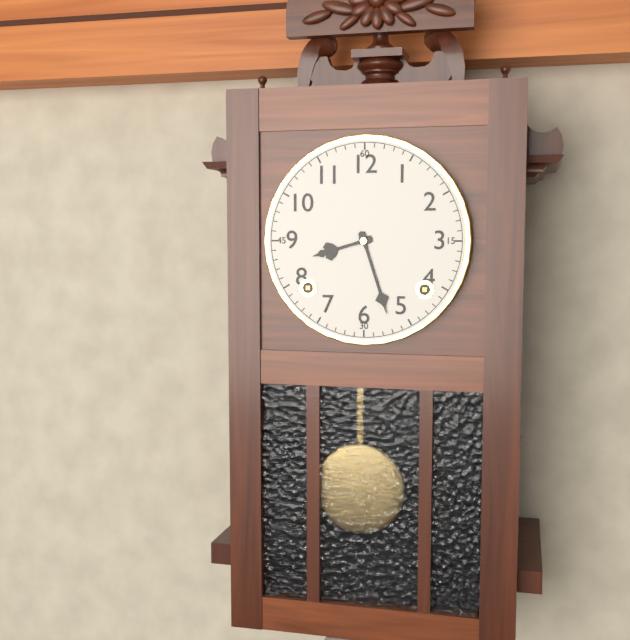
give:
8.27
